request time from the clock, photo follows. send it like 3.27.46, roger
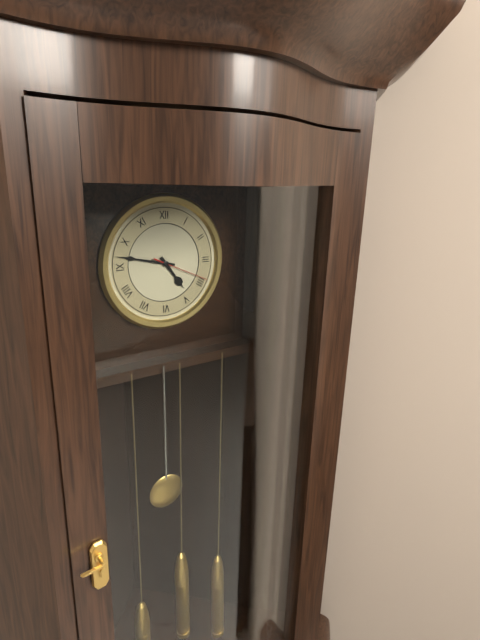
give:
4.47.19
